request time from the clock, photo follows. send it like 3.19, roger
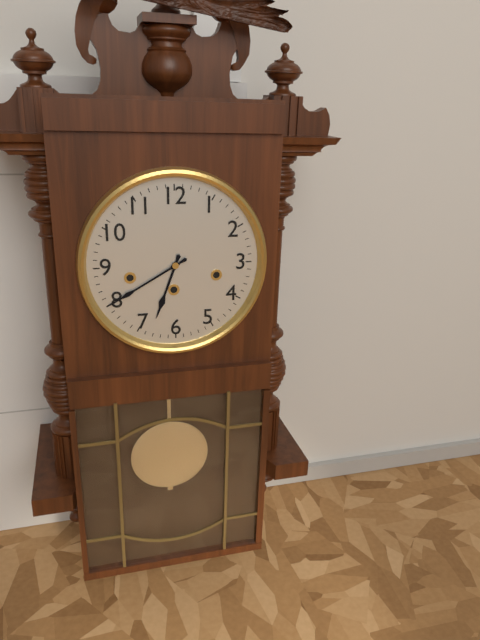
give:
6.40
